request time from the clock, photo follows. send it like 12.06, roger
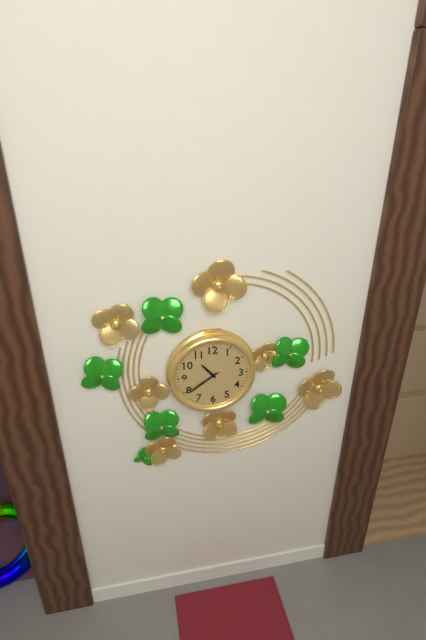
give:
10.39
